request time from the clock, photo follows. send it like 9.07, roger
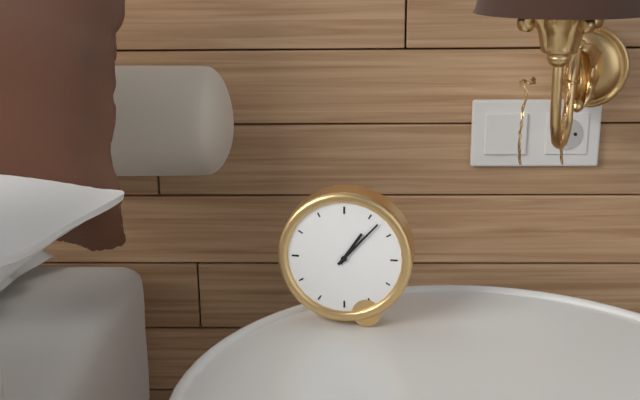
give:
1.07
